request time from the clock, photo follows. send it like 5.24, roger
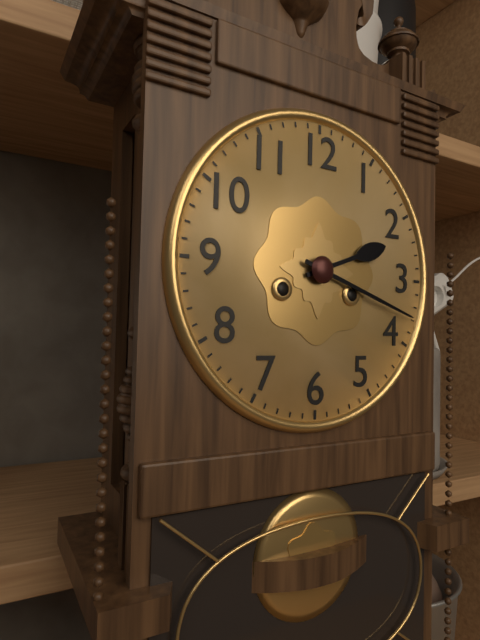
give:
2.18
